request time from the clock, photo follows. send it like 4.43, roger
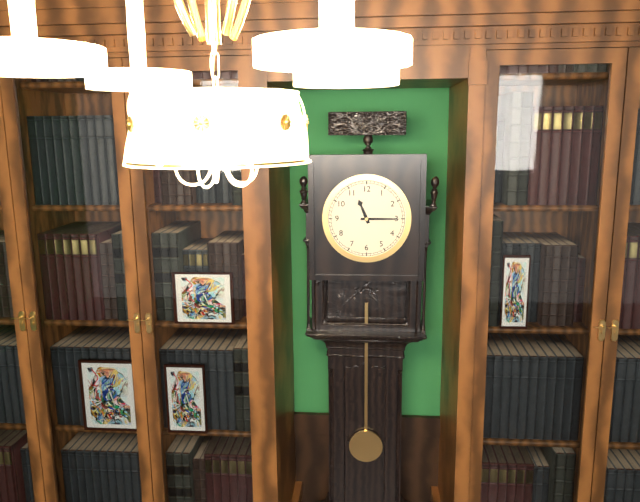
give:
11.15
